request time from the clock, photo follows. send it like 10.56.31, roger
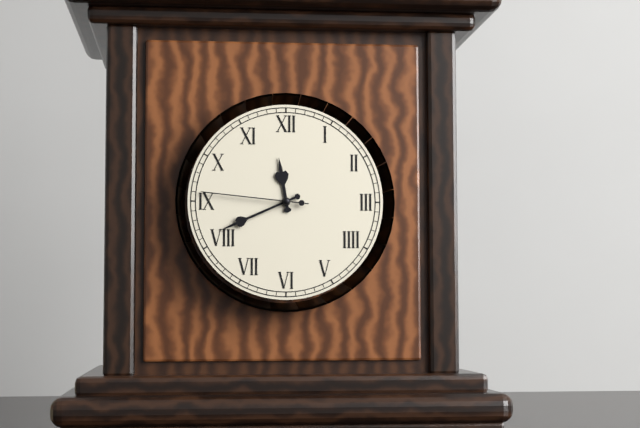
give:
11.41.46
